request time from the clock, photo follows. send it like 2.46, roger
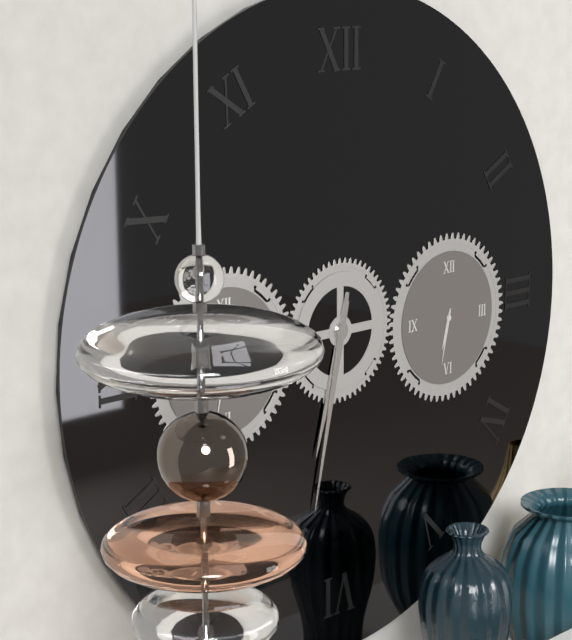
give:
6.32
